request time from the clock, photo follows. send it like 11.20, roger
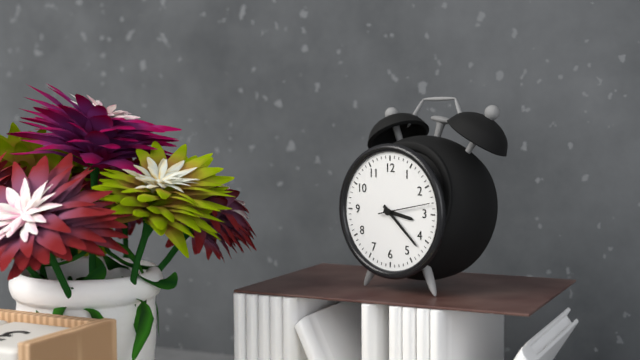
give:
3.22
